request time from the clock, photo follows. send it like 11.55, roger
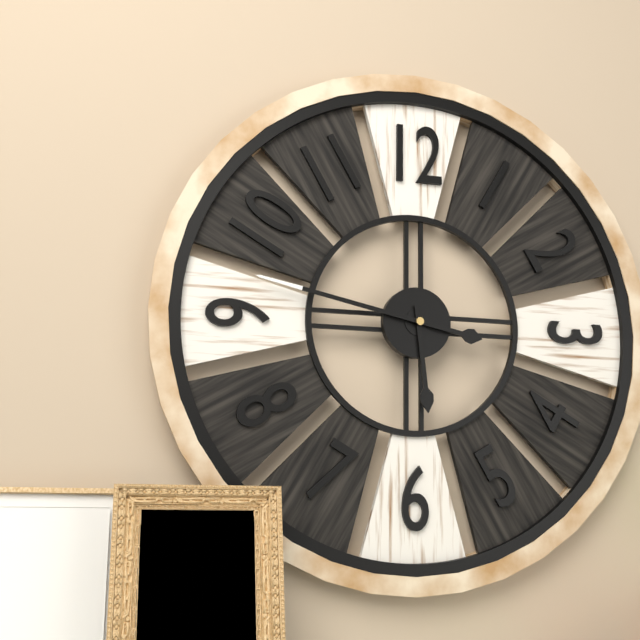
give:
5.47
